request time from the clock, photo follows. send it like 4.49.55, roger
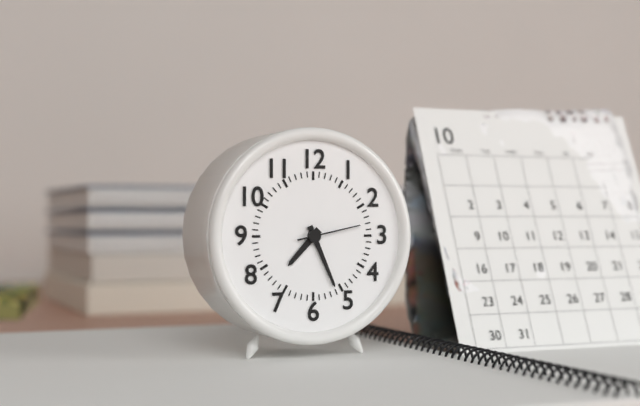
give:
7.26.13
